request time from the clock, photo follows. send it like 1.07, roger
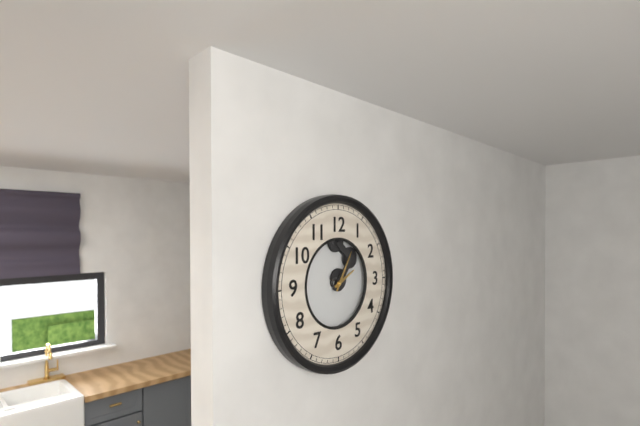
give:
2.05
